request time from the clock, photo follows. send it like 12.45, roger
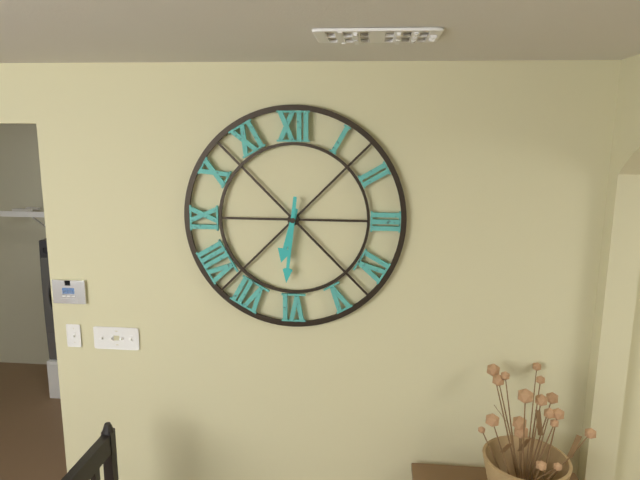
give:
6.31
